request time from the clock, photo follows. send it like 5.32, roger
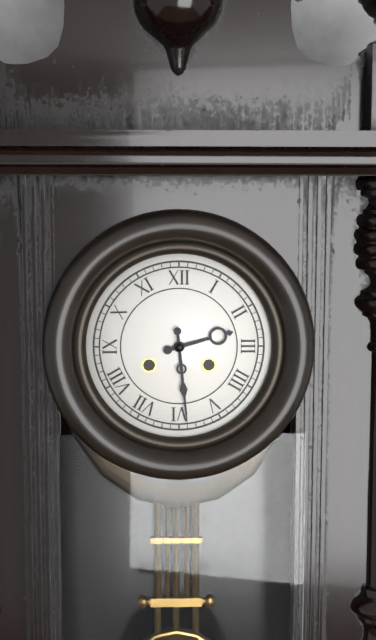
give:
2.29
